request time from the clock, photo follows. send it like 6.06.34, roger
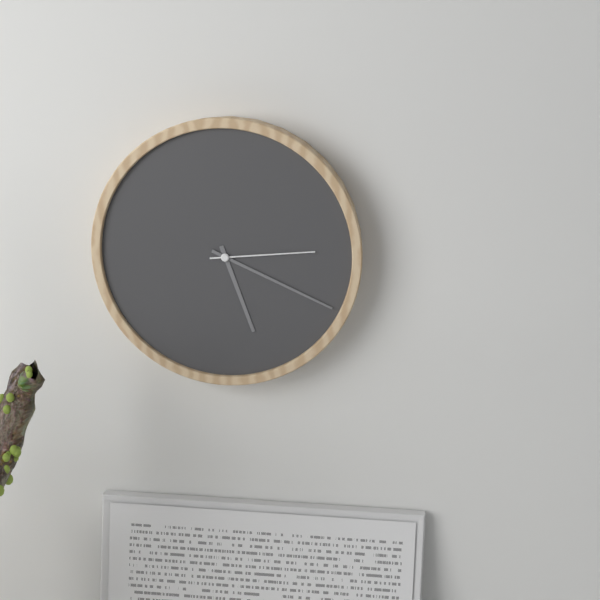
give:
5.19.14
